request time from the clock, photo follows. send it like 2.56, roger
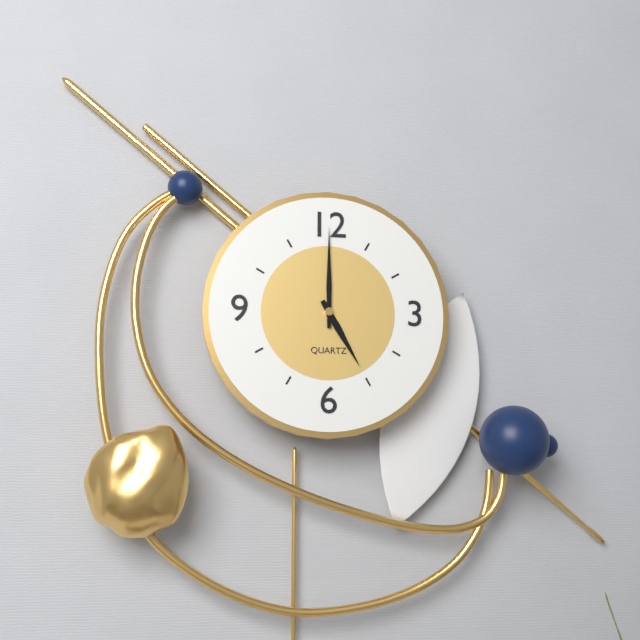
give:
5.00
